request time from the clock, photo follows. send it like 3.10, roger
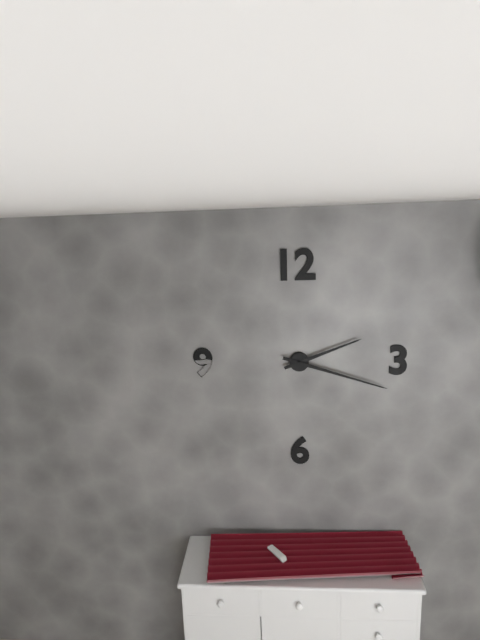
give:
2.18
